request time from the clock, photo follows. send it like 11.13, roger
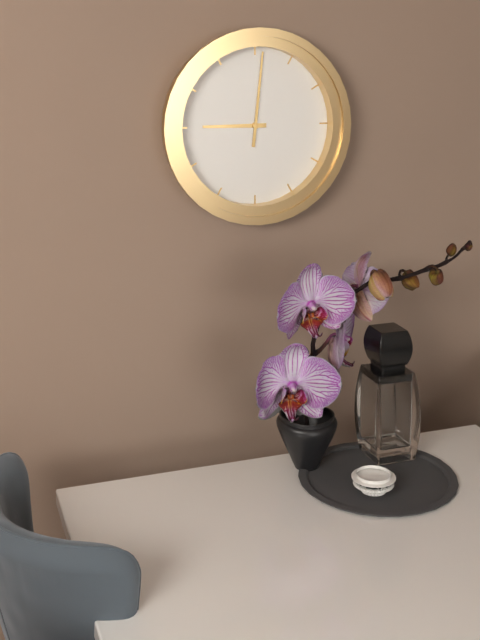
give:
9.01
